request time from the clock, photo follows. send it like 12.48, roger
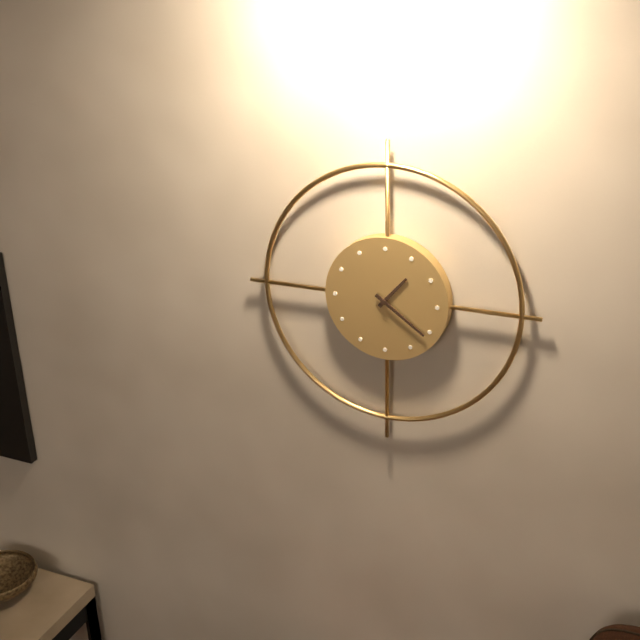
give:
1.21
